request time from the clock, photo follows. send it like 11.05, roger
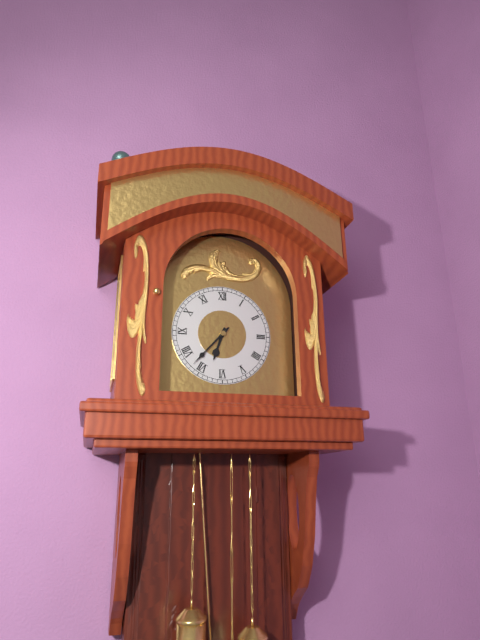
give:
6.37
